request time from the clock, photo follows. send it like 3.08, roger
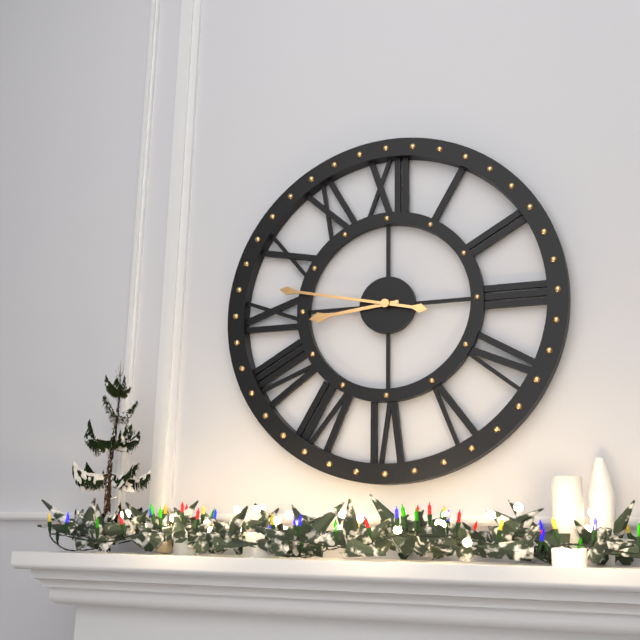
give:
8.47
